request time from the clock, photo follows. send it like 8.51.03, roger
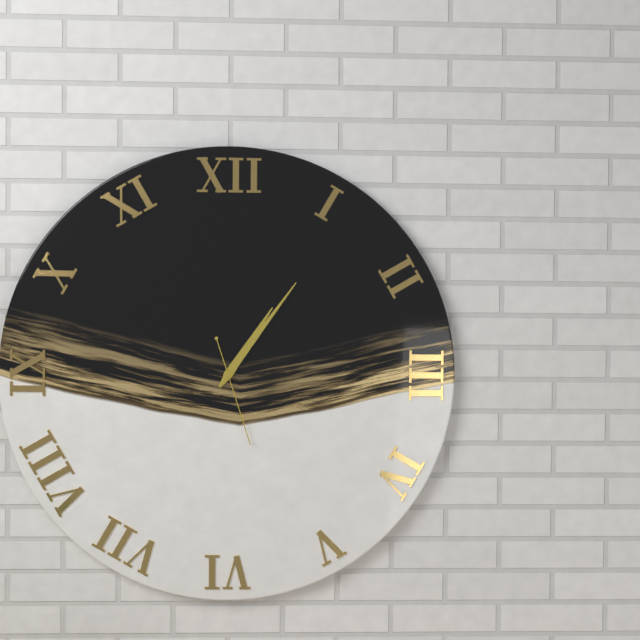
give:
1.06.27
